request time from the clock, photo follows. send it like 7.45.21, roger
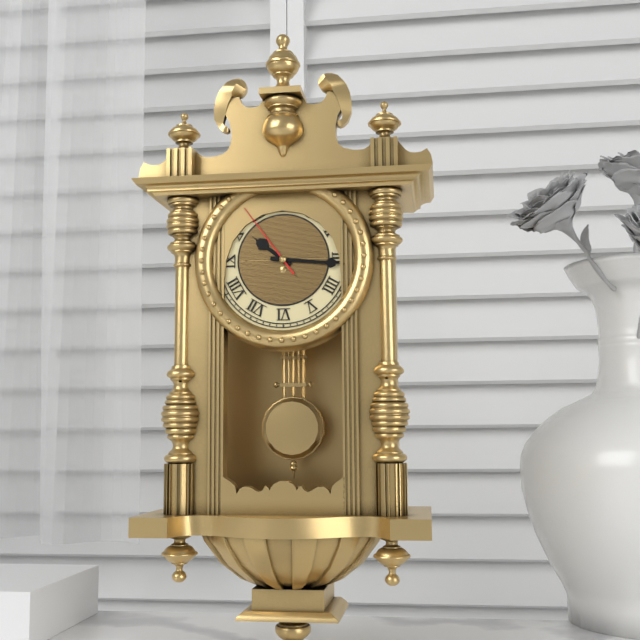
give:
10.16.54
